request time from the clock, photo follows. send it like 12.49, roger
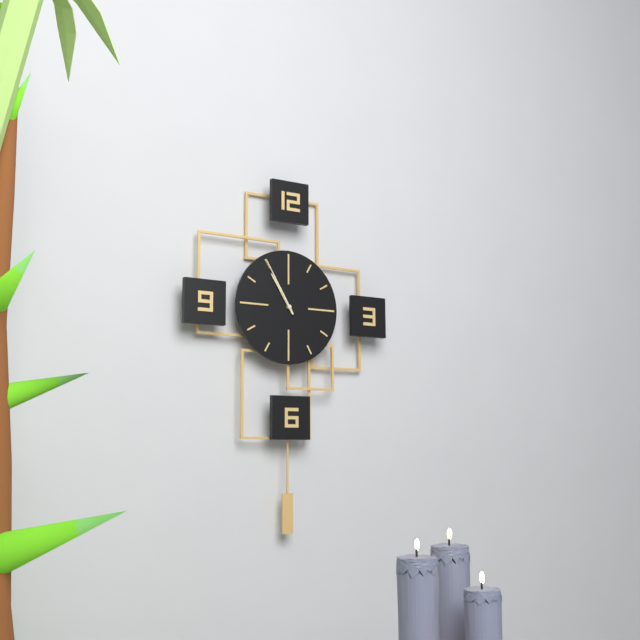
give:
10.55
